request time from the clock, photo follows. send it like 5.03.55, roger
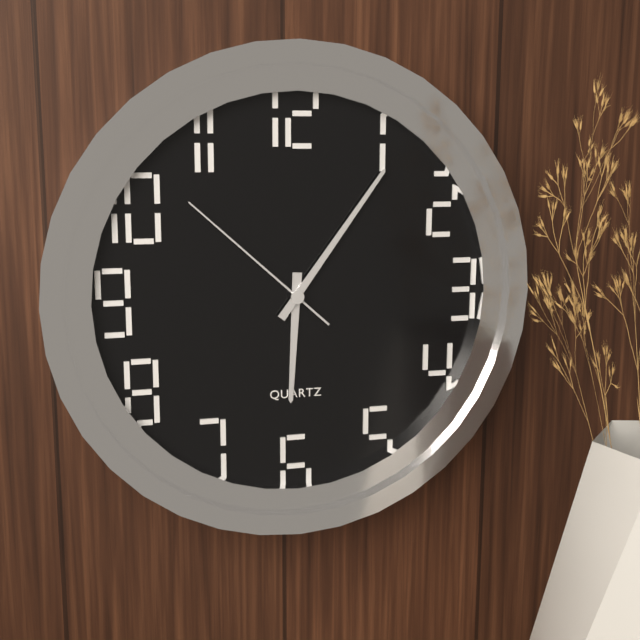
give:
6.06.52
